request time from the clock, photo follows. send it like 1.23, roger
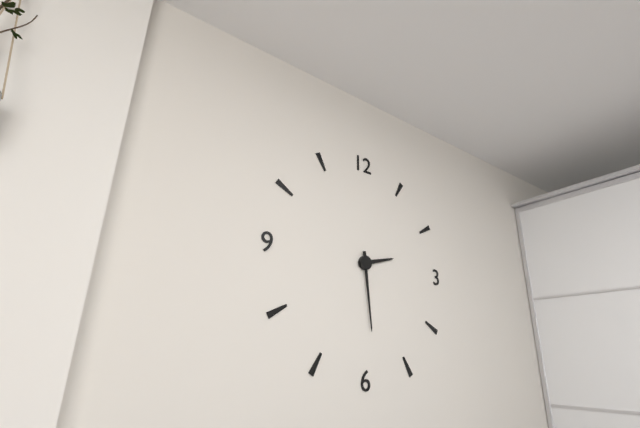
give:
2.29
